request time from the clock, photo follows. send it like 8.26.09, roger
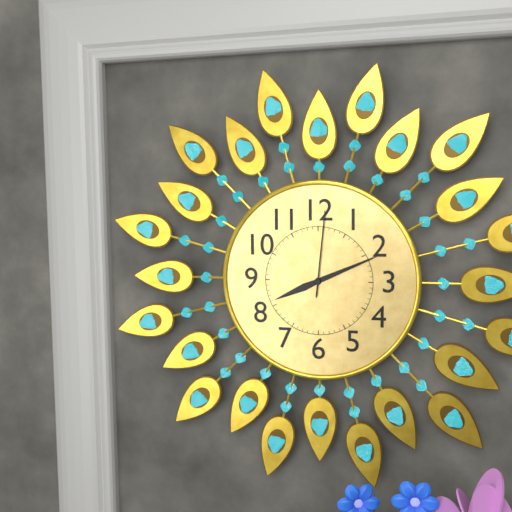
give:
8.11.01
